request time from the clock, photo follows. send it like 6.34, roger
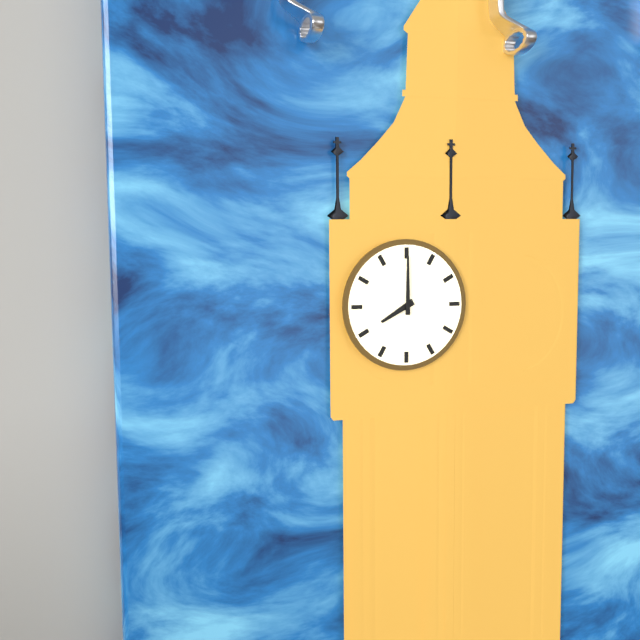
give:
8.00
